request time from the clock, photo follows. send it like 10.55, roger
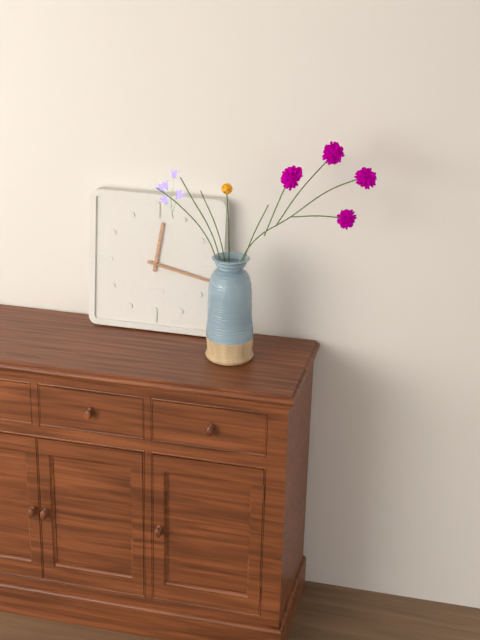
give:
12.17
